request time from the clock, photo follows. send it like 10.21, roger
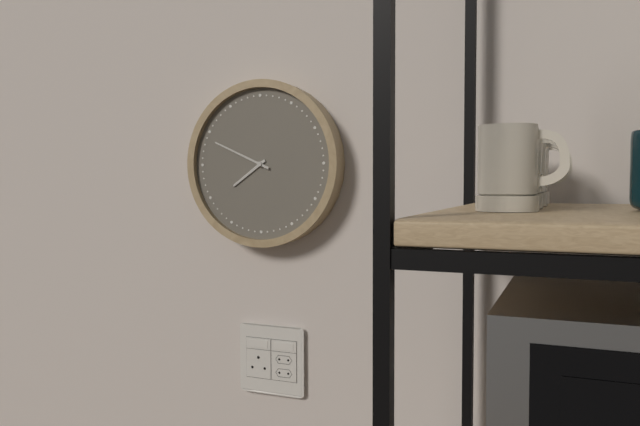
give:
7.49
